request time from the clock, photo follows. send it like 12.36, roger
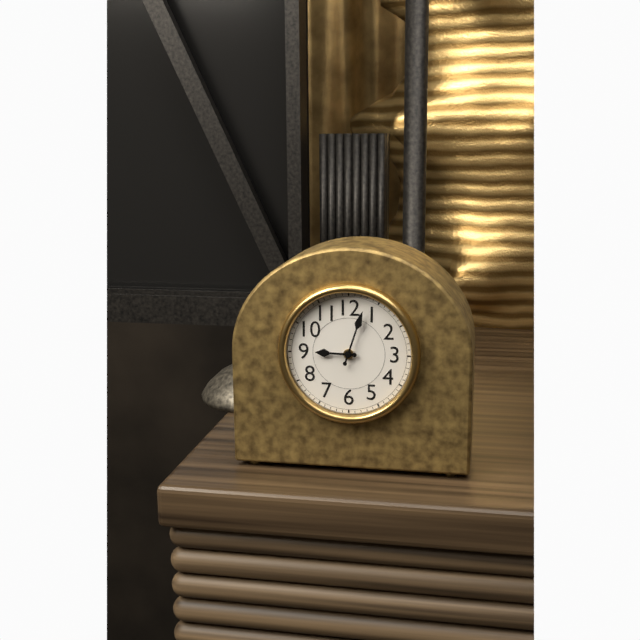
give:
9.03
